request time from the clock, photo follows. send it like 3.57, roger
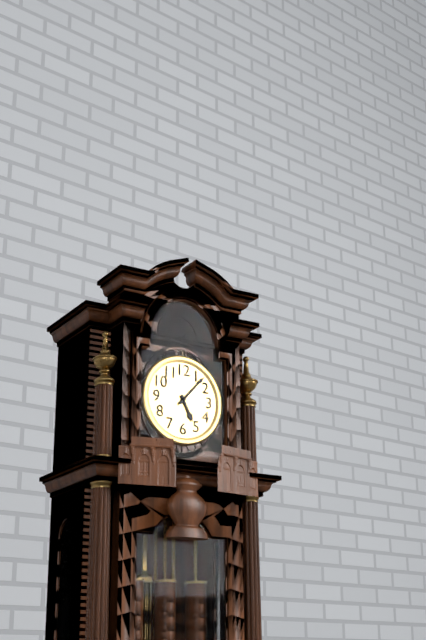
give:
5.07
